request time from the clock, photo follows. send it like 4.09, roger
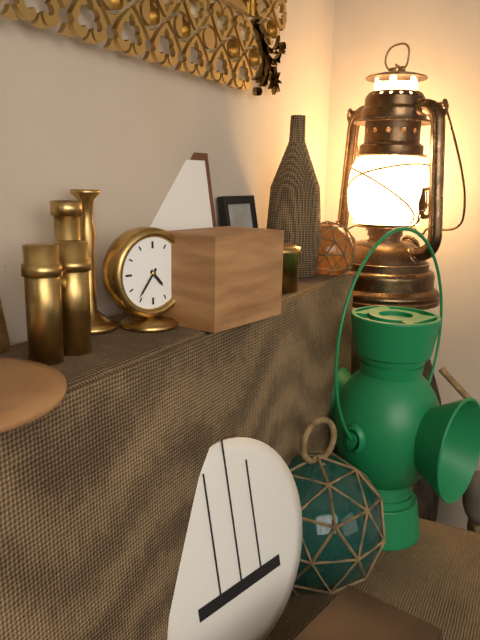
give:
4.36
